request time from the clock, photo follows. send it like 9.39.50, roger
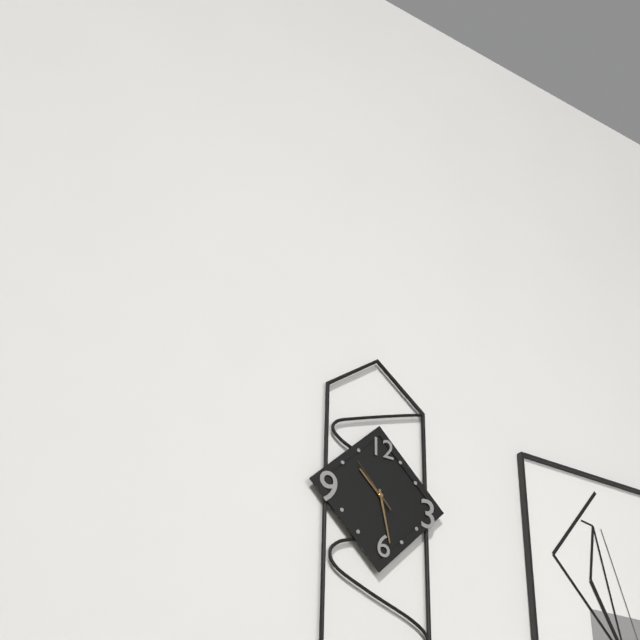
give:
10.28.53
